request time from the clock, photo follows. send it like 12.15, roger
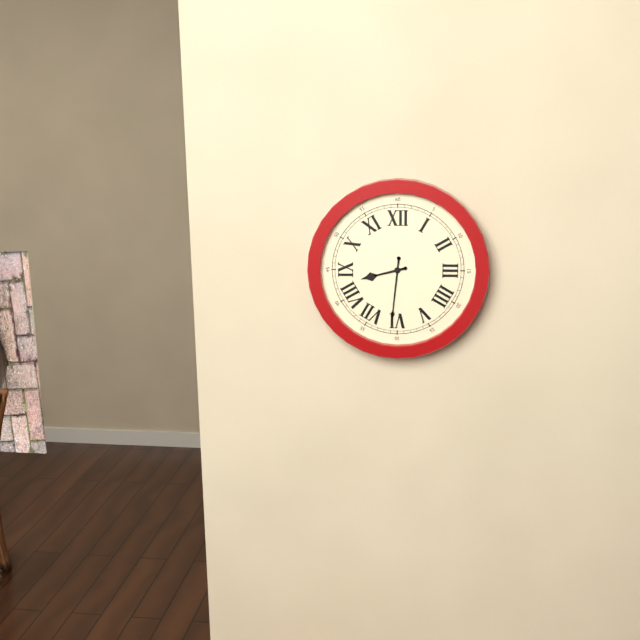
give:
8.31
